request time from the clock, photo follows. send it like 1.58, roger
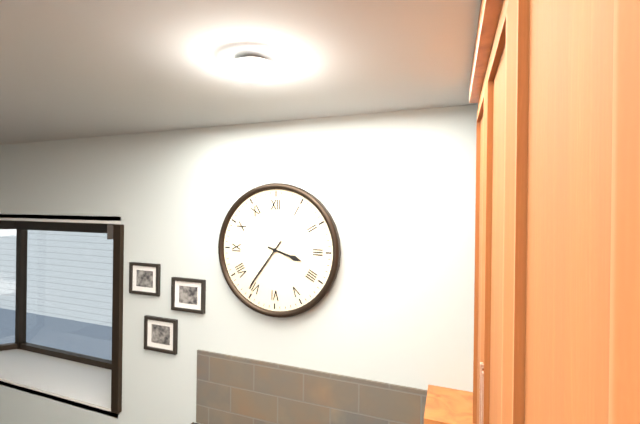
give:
3.36
